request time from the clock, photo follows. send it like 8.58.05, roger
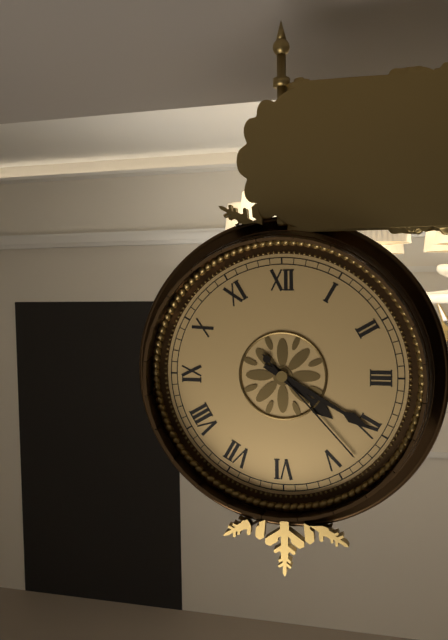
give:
4.20.23
